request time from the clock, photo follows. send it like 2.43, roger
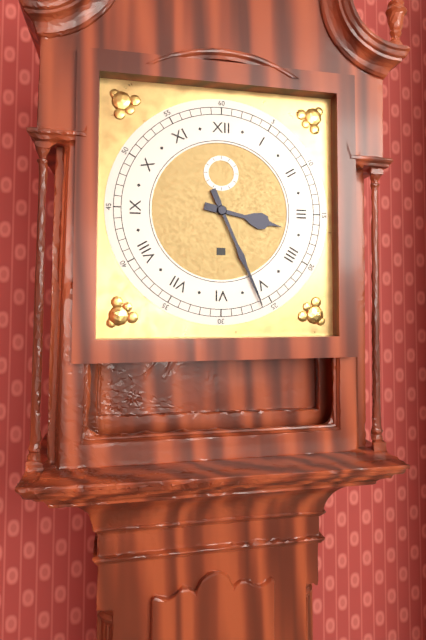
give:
3.26
